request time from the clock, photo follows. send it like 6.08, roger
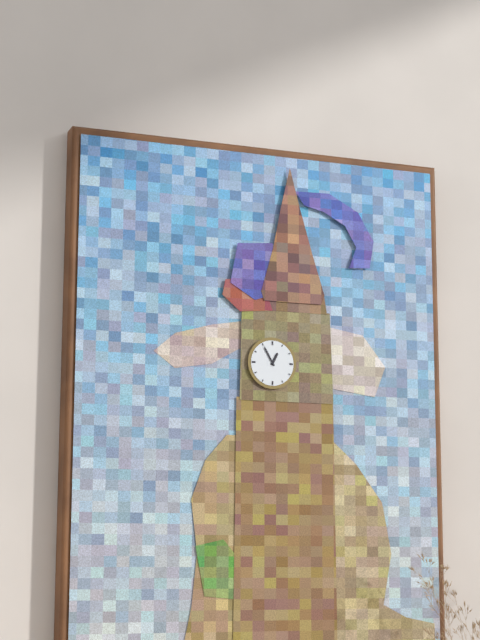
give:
12.55
